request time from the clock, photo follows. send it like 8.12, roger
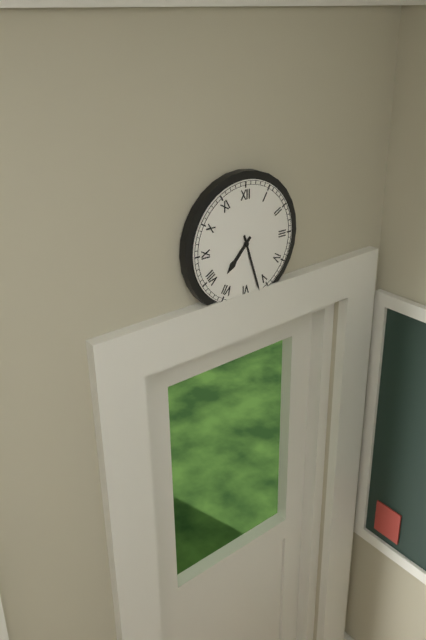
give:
7.27
